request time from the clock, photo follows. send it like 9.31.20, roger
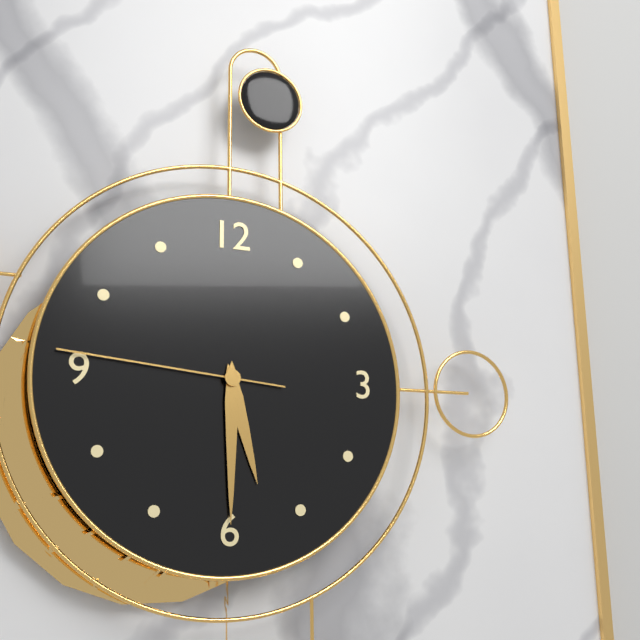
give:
5.30.46
